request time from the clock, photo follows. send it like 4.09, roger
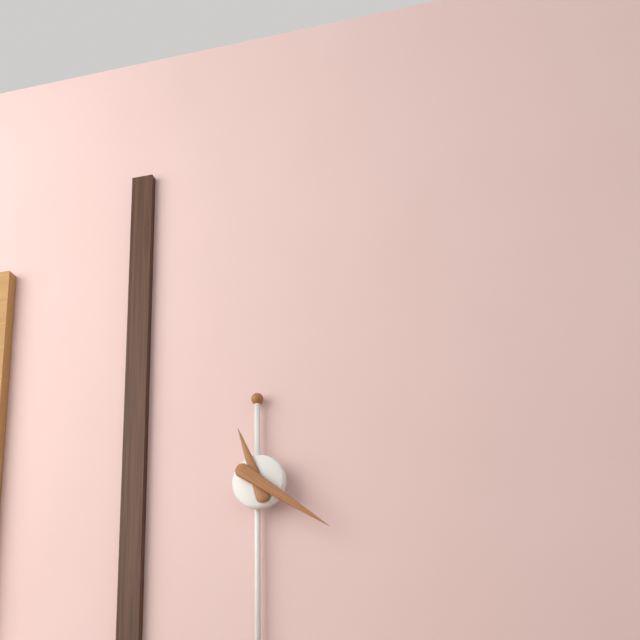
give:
11.21
